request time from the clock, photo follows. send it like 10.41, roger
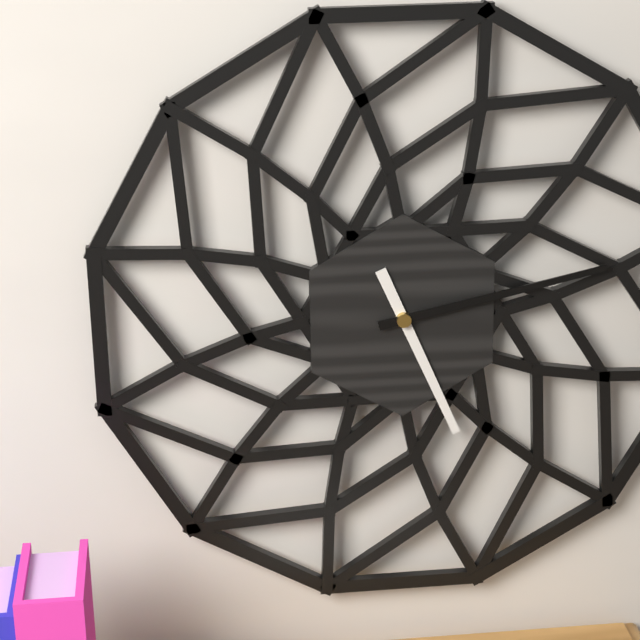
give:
5.13
